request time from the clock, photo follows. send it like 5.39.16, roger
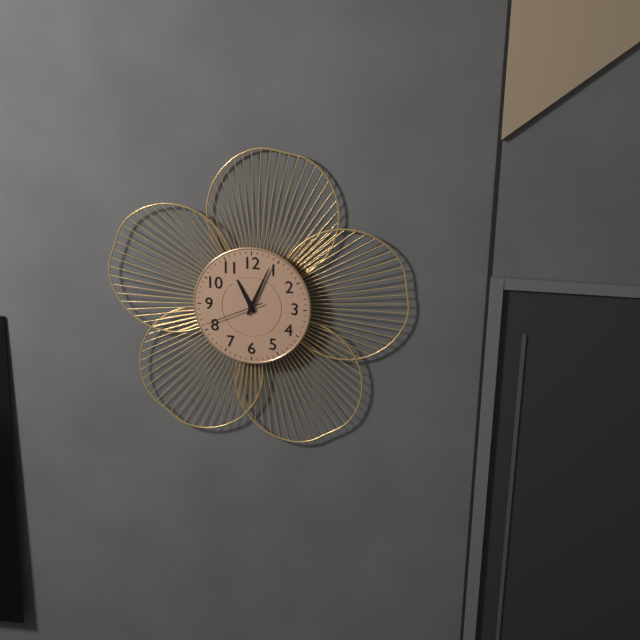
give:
11.04.41
